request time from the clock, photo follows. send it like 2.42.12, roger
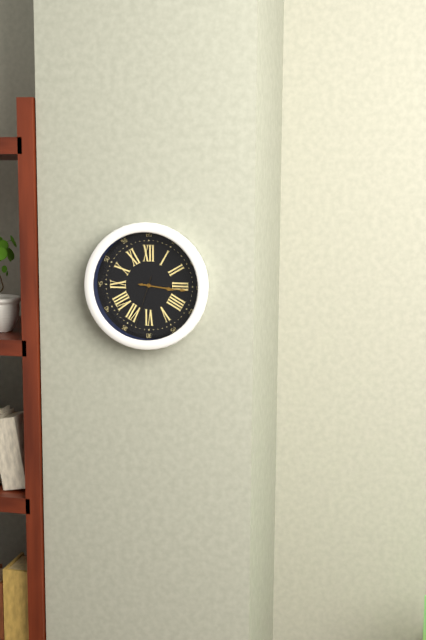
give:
3.16.33
